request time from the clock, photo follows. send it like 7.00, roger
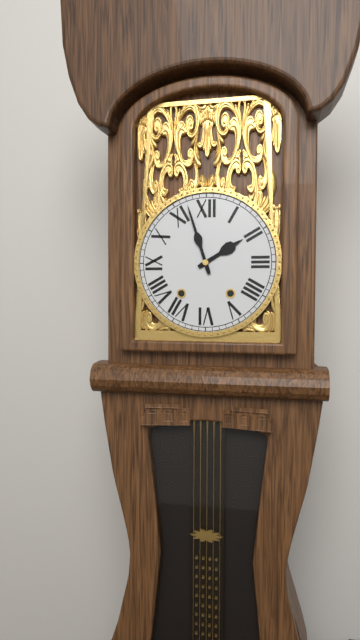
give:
1.57
